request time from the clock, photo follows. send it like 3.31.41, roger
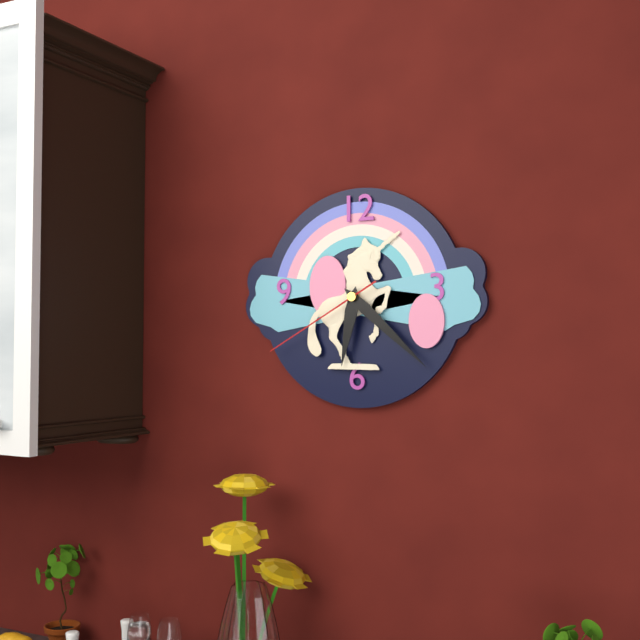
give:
6.22.40
